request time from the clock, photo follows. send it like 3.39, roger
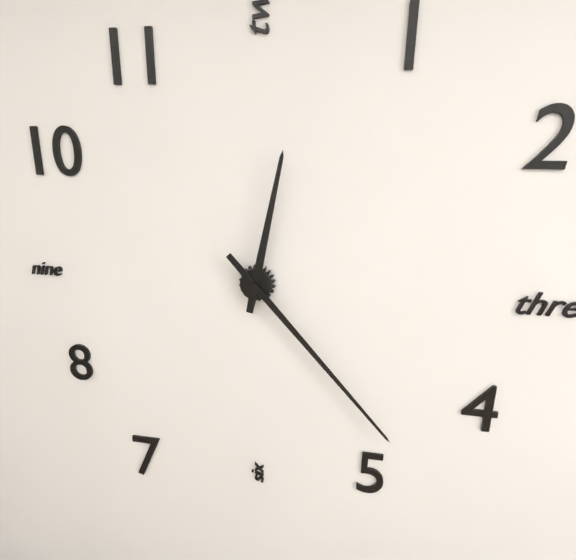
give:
12.23
